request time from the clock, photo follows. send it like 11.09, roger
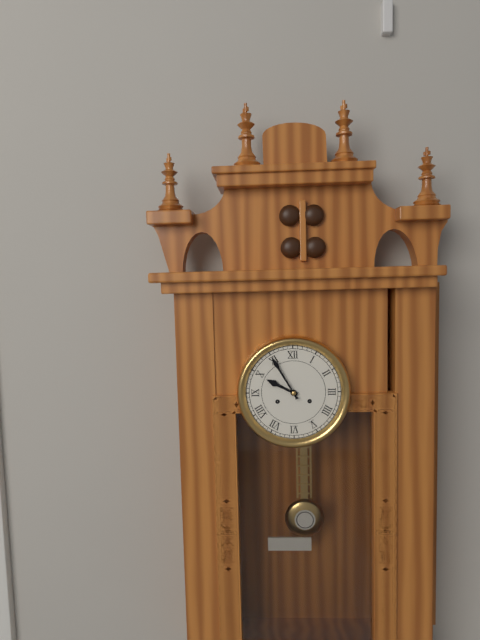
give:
9.55
